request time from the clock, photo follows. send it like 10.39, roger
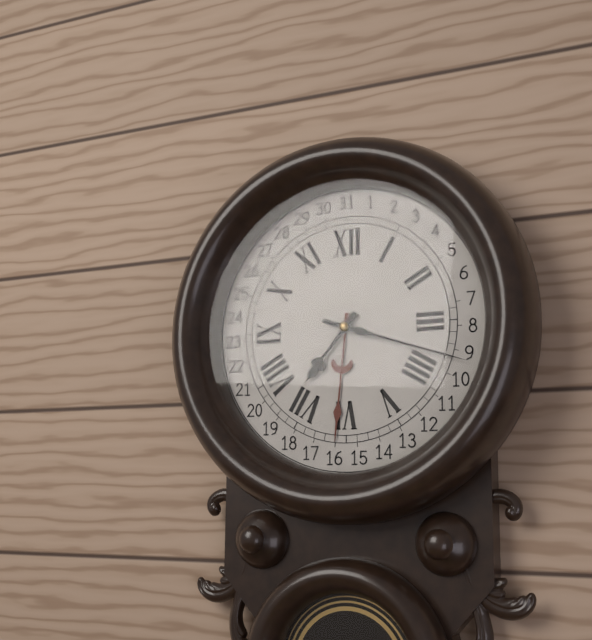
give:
7.18
